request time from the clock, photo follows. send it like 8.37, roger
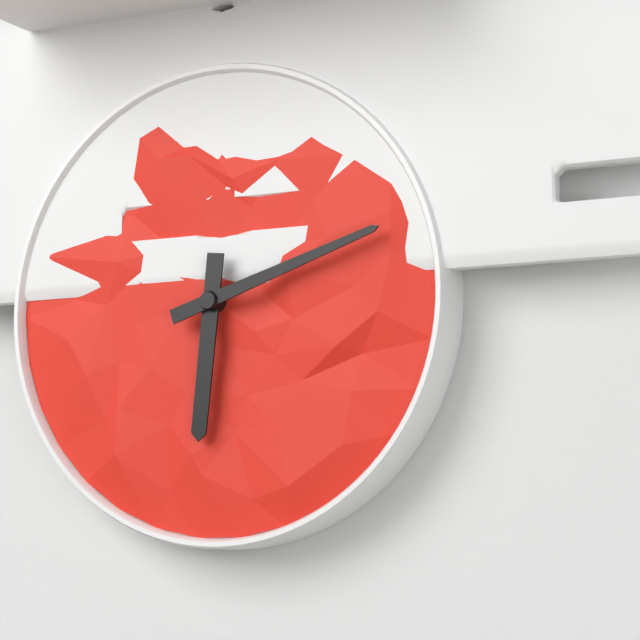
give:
6.12
